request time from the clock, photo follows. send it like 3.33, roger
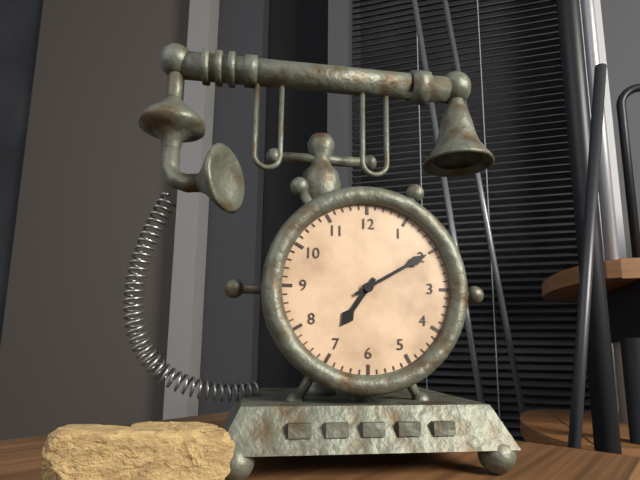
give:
7.10
